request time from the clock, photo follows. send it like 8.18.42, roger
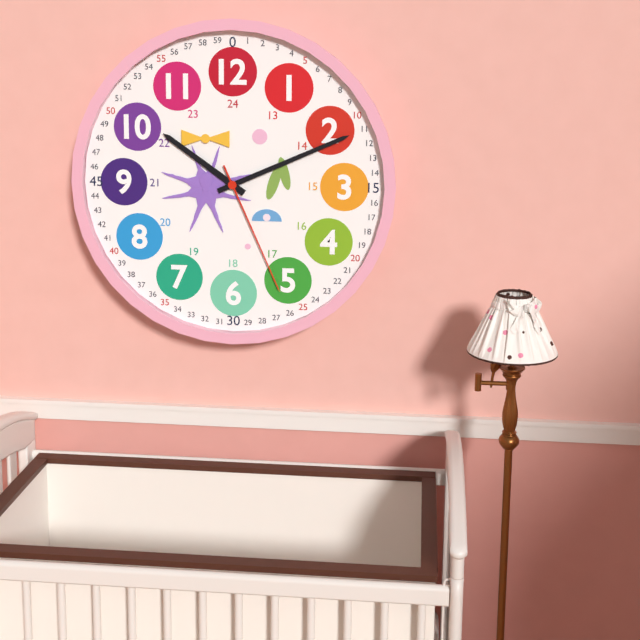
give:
10.11.26
